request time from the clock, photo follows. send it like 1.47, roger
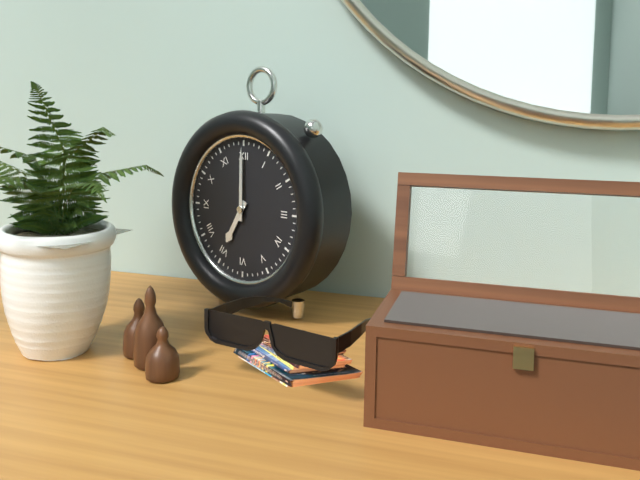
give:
7.00
